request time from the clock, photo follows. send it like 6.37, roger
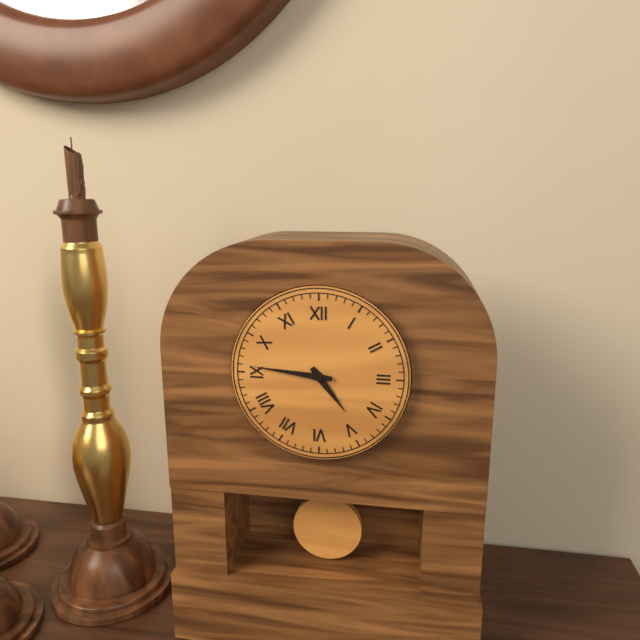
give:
4.46
